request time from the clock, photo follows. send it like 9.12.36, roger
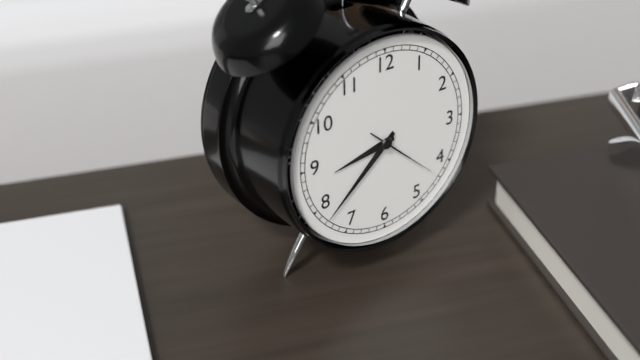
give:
8.38.22
